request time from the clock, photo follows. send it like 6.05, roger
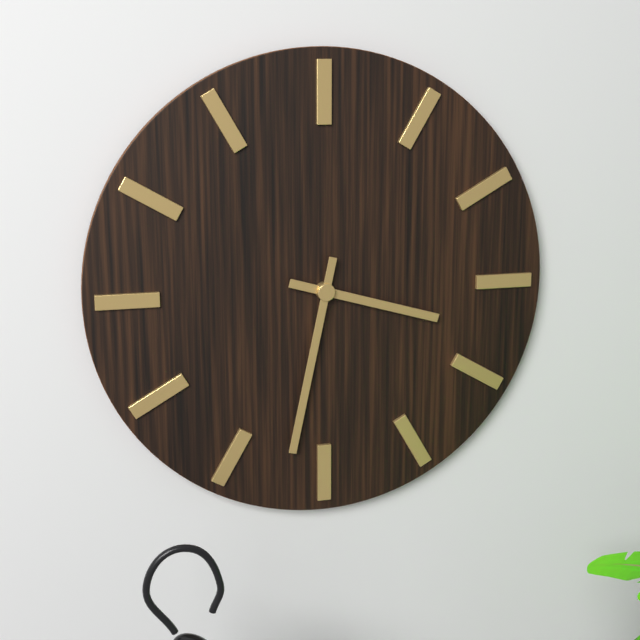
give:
3.32
